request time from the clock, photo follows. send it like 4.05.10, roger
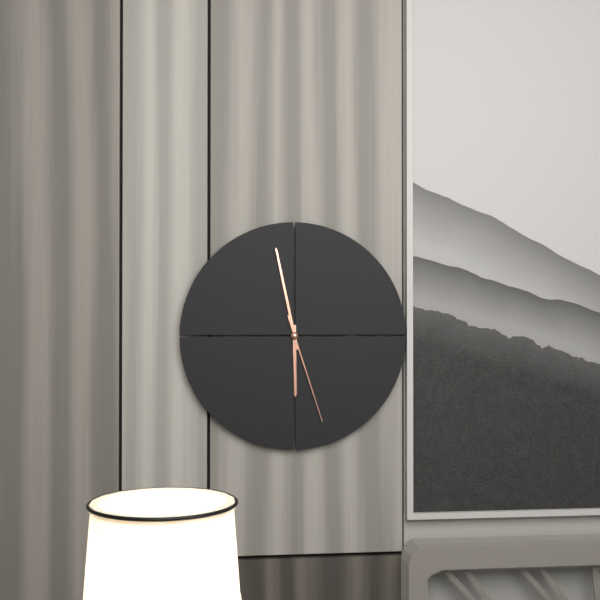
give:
5.58.27
